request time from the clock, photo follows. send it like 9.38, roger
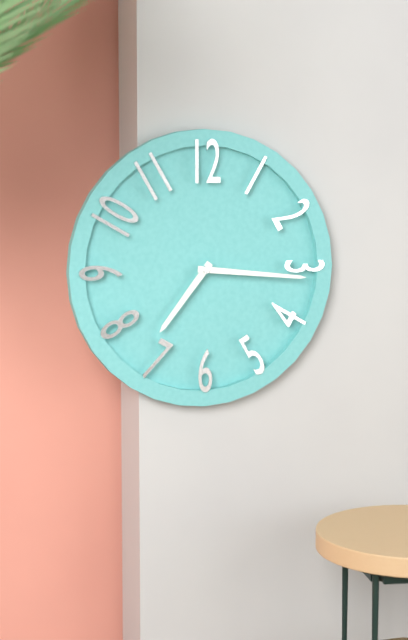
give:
7.16
